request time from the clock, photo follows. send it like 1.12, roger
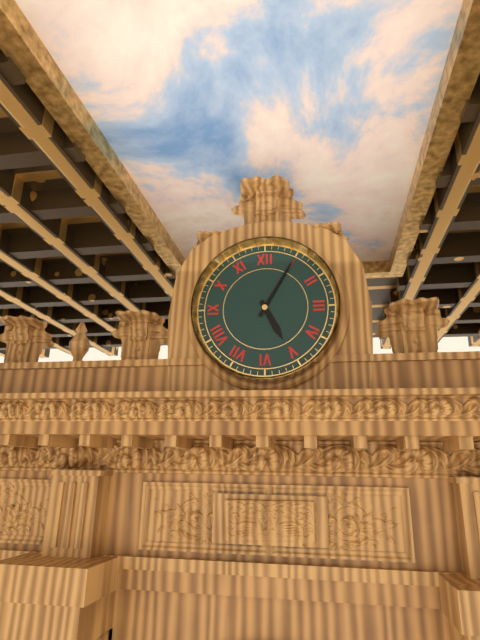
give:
5.05
